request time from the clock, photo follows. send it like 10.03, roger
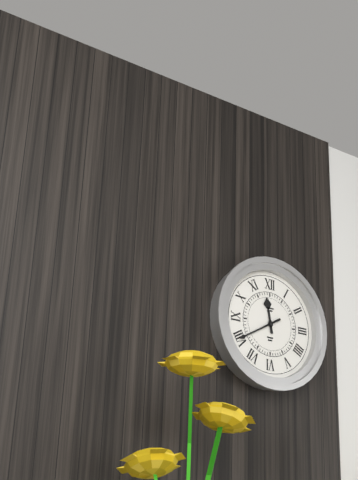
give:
11.40
